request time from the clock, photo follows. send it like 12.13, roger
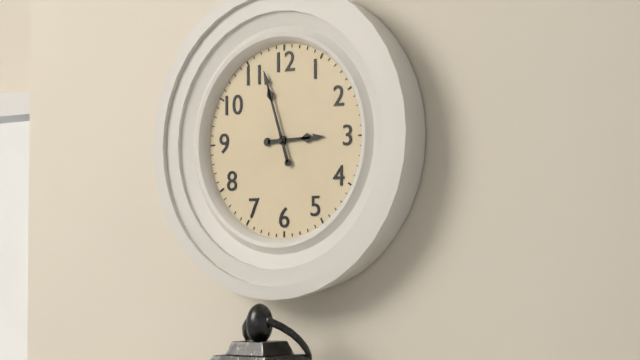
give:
2.57
